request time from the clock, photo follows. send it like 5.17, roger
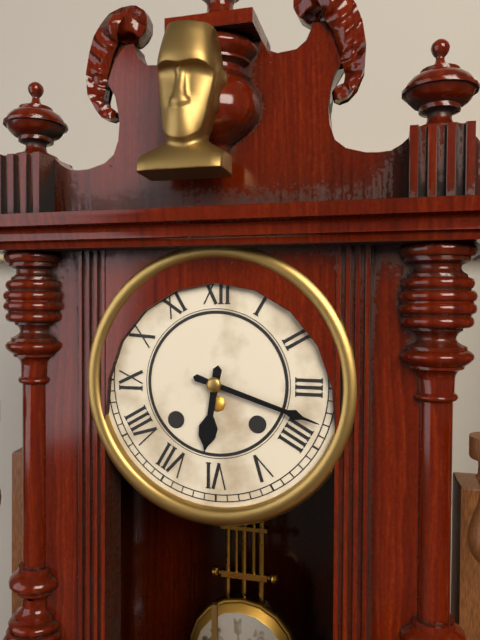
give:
6.18
